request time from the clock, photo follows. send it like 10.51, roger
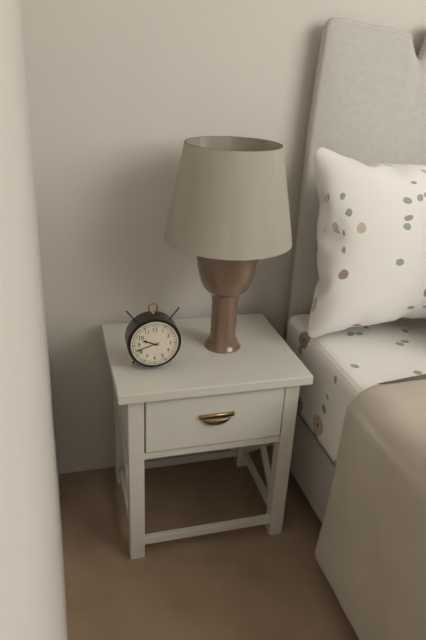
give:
9.42
